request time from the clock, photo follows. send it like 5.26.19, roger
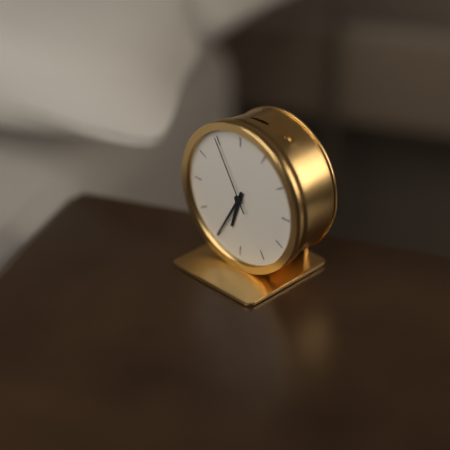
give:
6.35.55
